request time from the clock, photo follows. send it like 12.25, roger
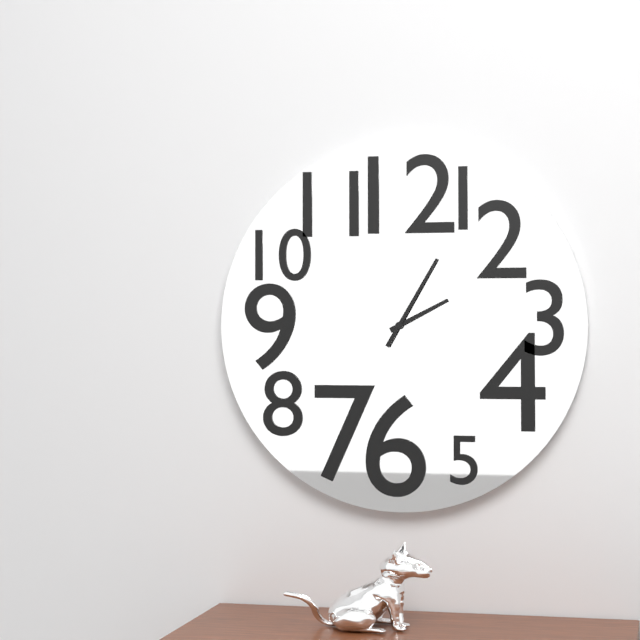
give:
2.05
